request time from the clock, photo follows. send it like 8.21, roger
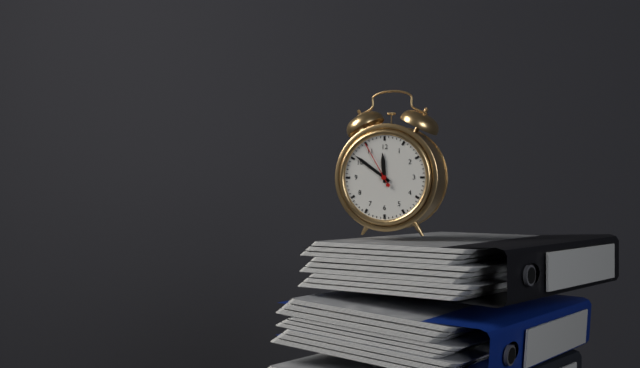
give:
11.51
